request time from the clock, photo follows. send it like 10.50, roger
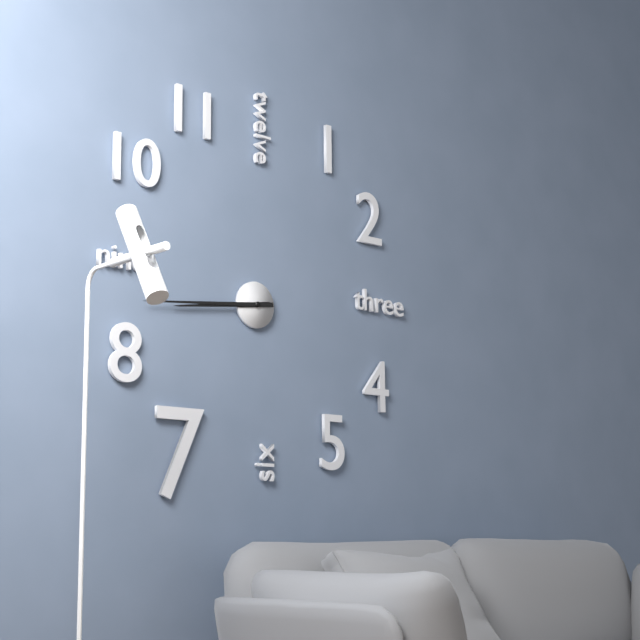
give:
8.44
